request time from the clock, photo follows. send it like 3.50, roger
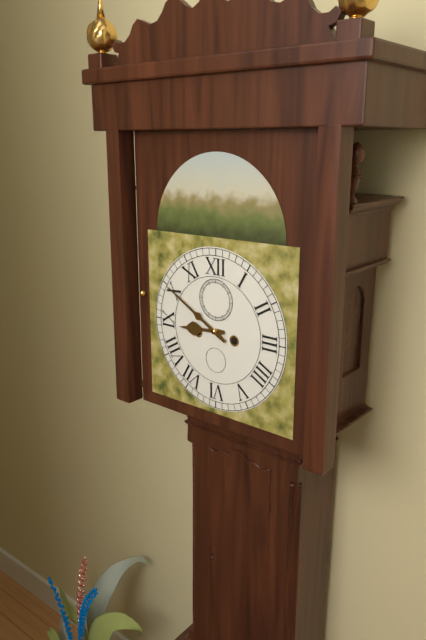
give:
8.50
